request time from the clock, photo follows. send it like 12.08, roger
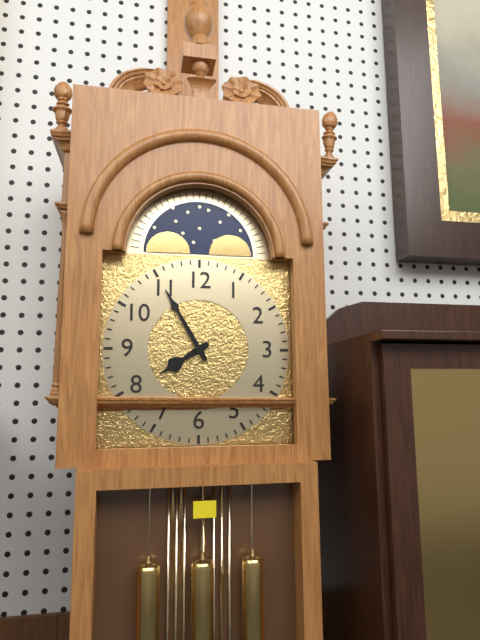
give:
7.55
